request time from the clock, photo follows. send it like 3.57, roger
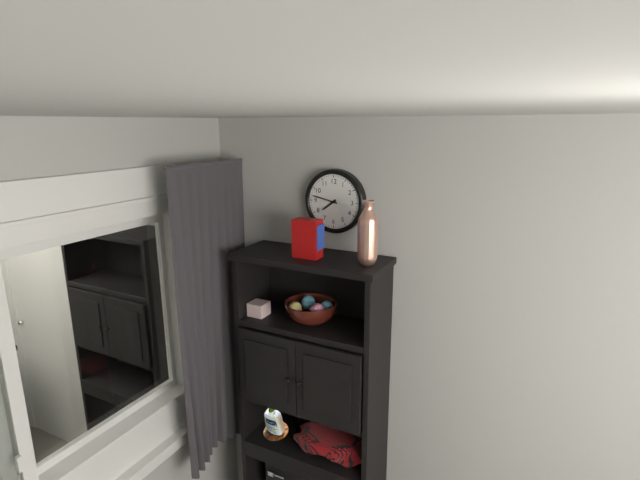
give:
7.47
